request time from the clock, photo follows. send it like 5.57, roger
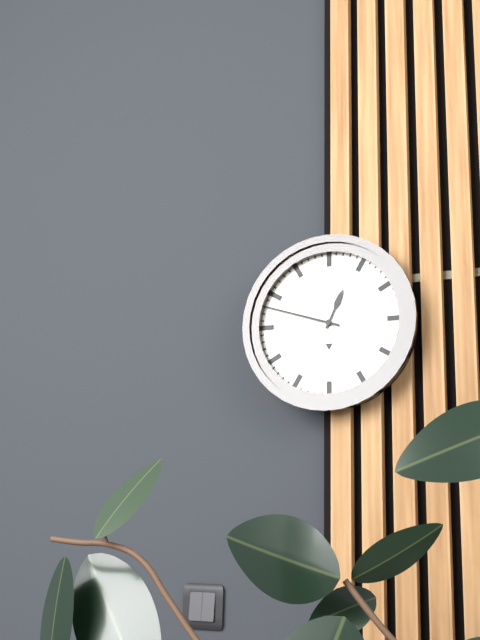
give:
12.48
